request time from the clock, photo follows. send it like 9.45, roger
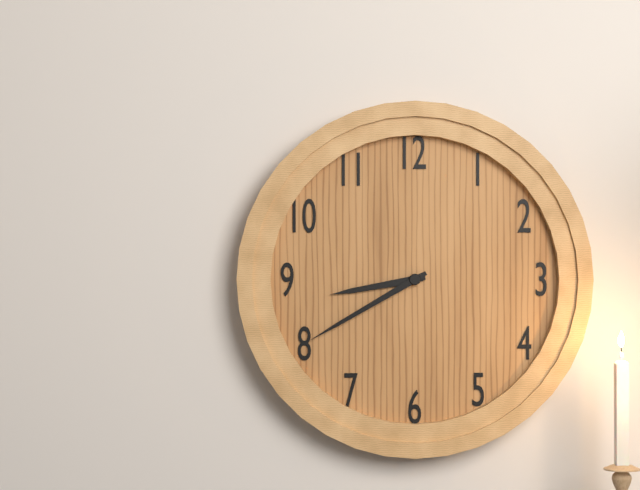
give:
8.40
